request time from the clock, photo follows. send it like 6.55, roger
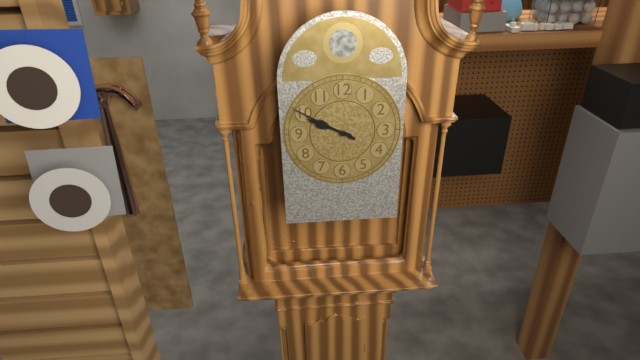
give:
9.50
